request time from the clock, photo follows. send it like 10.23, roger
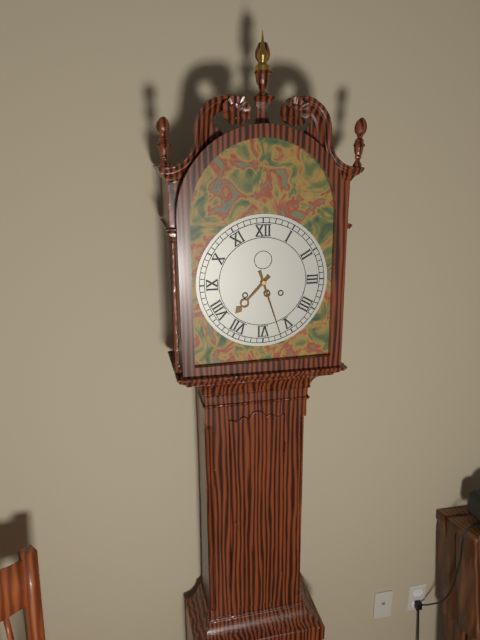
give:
7.27
